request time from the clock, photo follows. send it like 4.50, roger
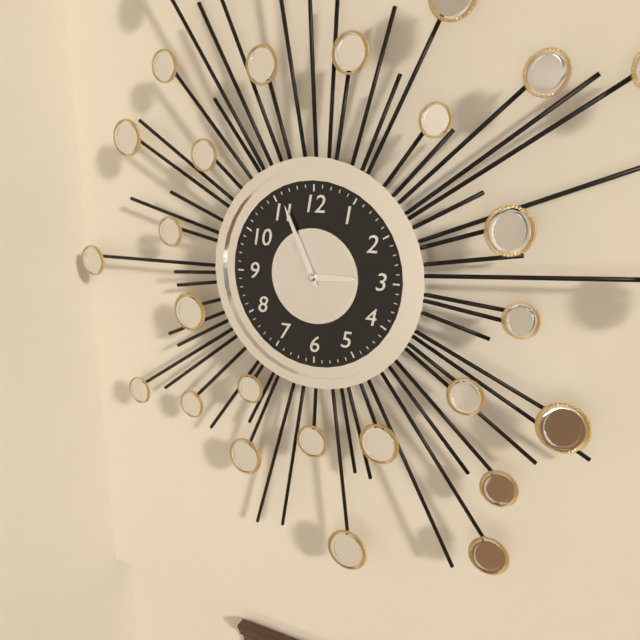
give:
2.56
